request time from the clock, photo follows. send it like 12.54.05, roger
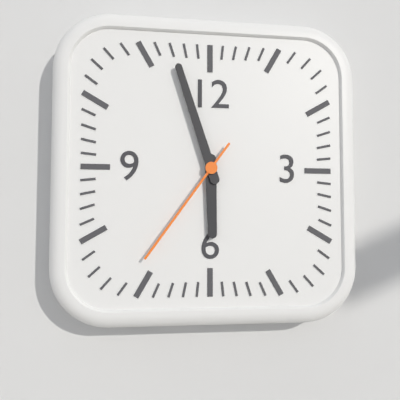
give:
5.57.36
